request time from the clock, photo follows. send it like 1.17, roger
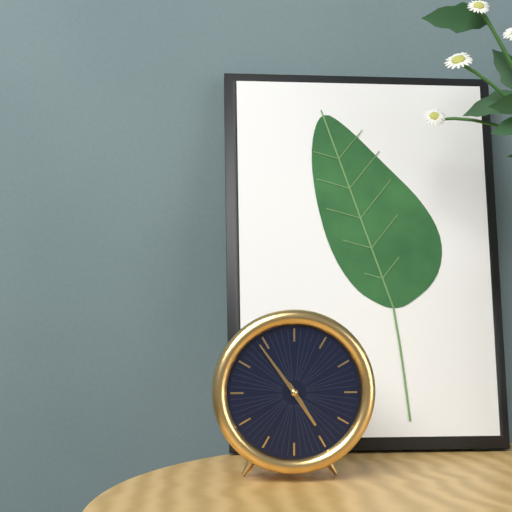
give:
4.54
